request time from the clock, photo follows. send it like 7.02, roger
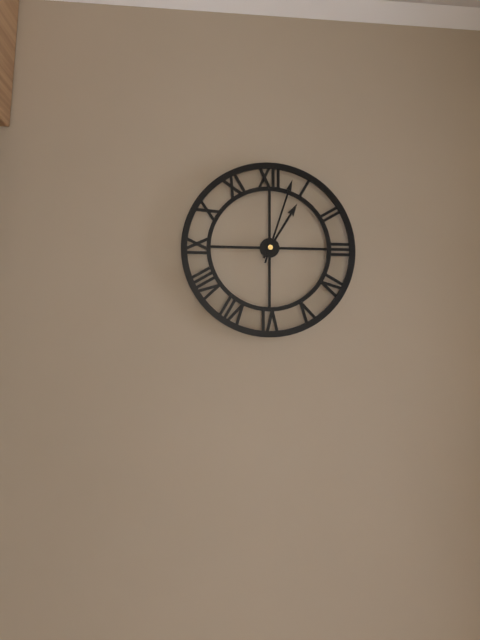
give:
1.03
